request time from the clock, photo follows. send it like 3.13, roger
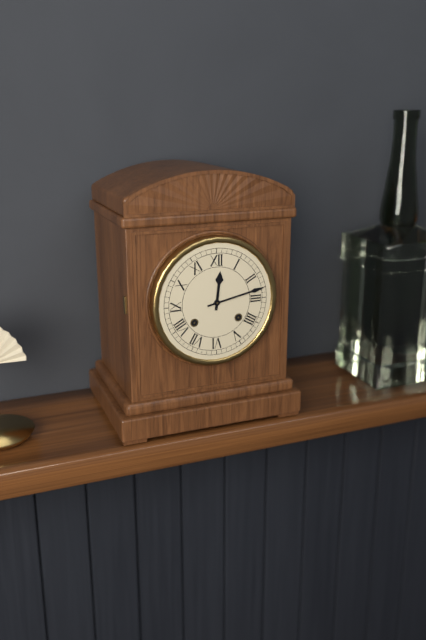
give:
12.13
